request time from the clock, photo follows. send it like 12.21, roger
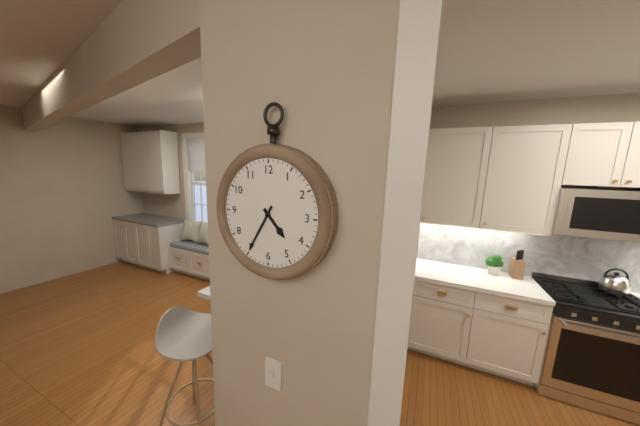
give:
4.35
